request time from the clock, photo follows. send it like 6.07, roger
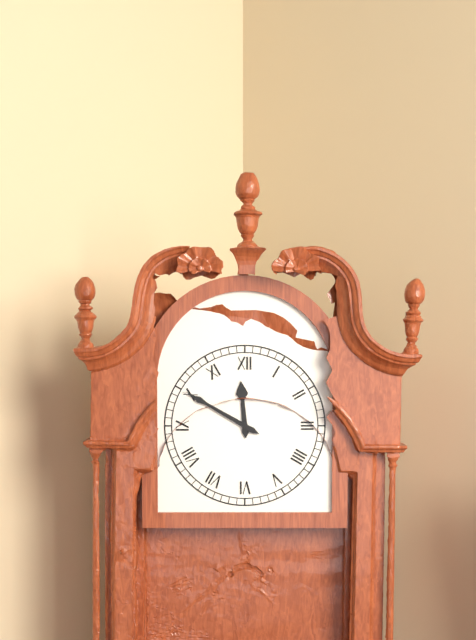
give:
11.50
